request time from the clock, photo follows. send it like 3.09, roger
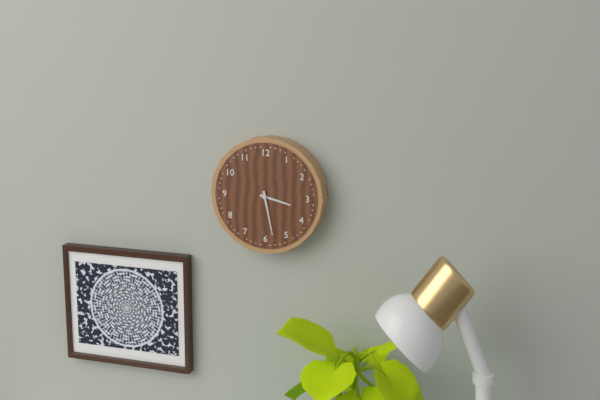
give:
3.28
